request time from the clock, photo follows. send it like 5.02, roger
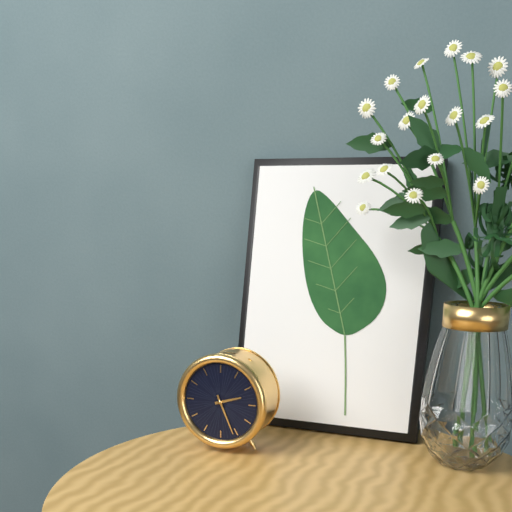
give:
2.26
